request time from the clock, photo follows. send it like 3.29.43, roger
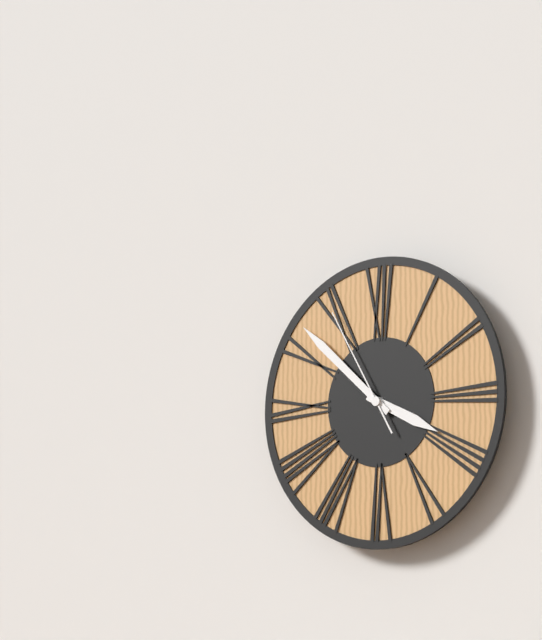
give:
3.52.55
